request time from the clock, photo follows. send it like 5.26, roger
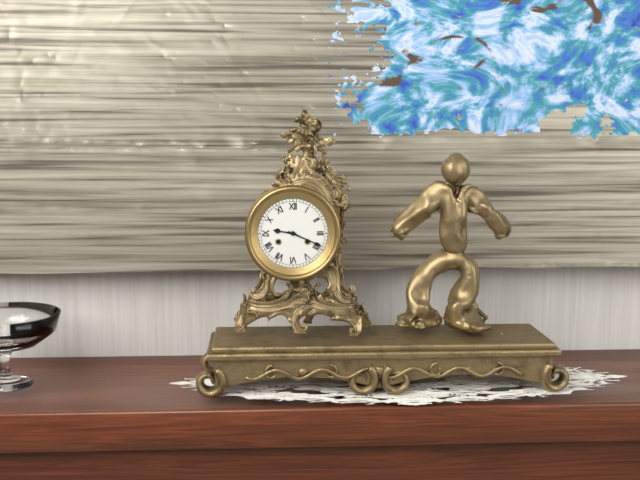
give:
9.19
